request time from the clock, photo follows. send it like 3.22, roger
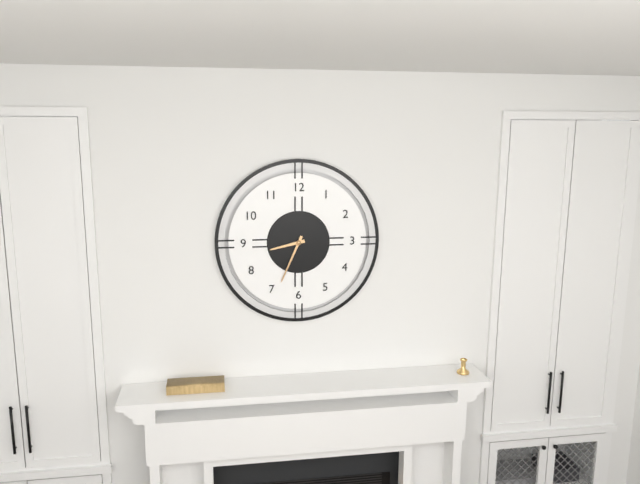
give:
8.34
